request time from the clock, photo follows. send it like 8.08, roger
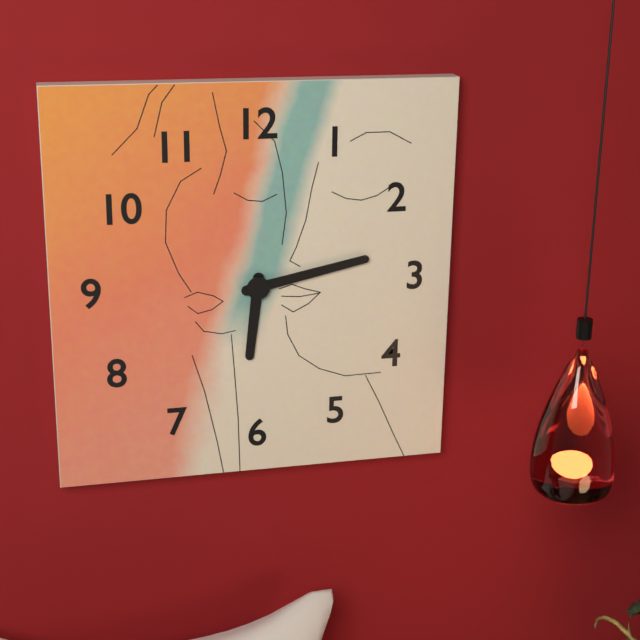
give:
6.13
